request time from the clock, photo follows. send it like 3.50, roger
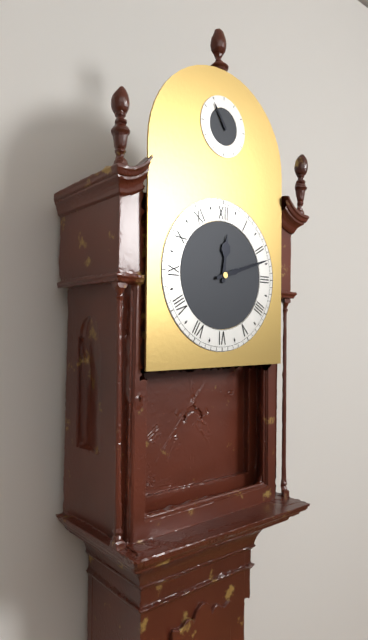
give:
12.12
